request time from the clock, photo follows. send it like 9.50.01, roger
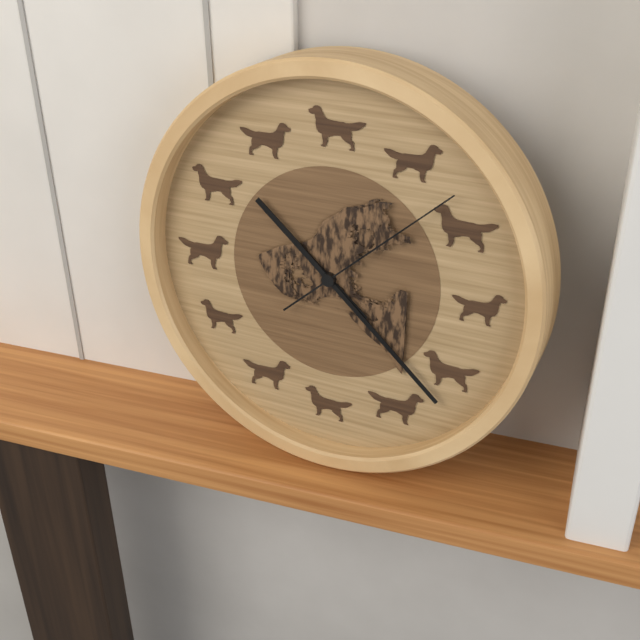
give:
10.22.08
